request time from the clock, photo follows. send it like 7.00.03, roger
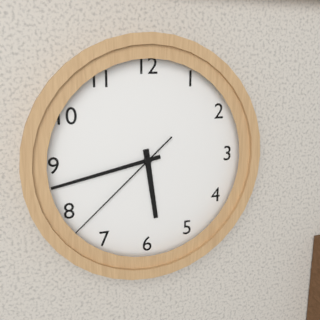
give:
5.43.38
